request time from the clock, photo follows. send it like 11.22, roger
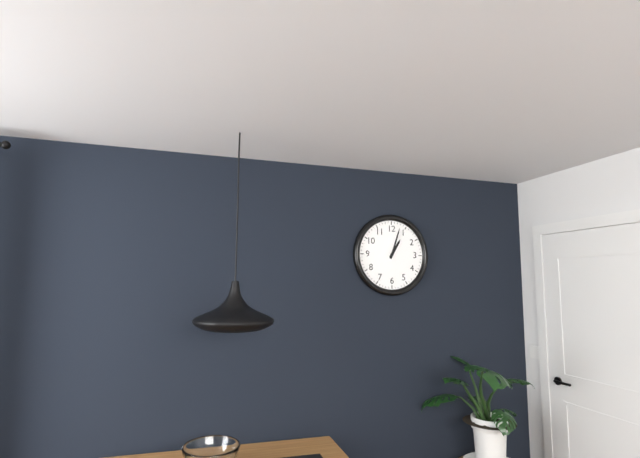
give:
1.03
